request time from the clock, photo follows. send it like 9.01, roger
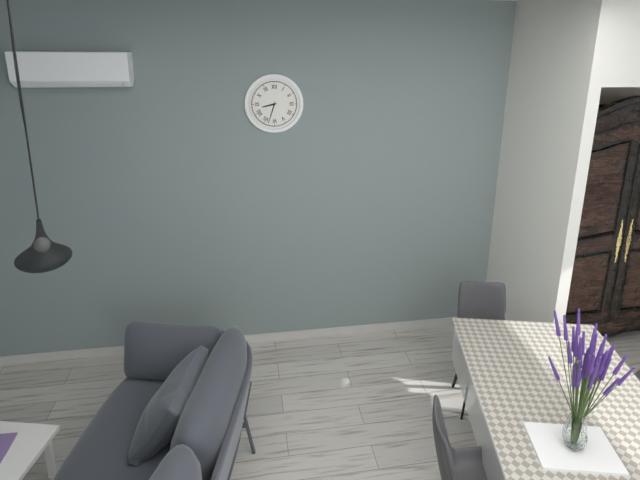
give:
8.33
